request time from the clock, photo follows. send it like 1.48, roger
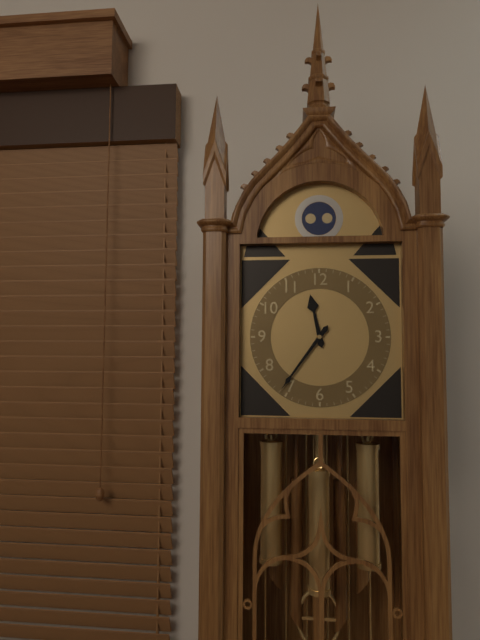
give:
11.36
